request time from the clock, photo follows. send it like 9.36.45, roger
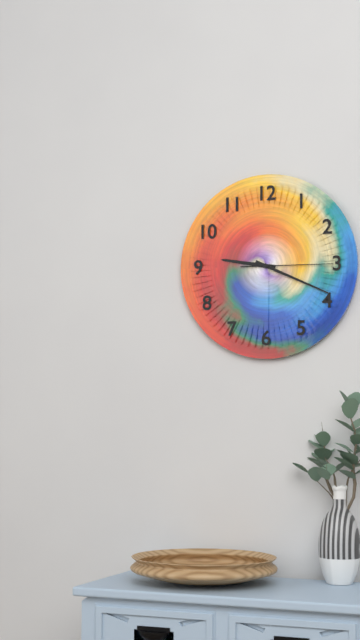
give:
9.19.15
